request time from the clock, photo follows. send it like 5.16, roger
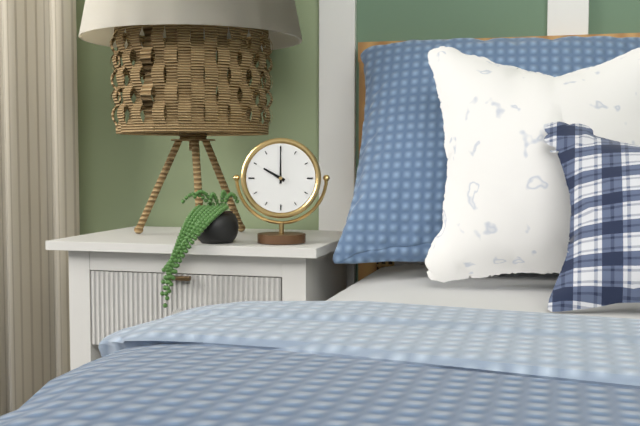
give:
10.00
